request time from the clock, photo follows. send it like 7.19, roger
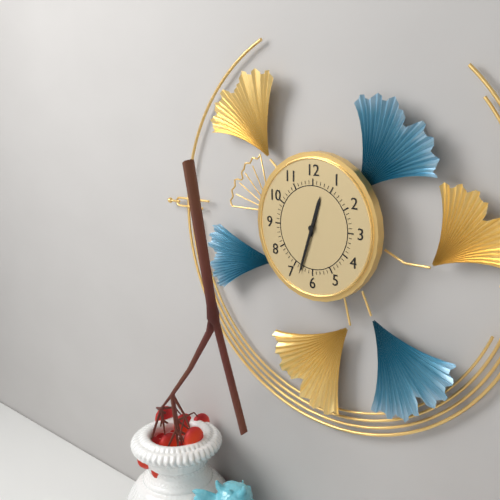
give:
12.33
